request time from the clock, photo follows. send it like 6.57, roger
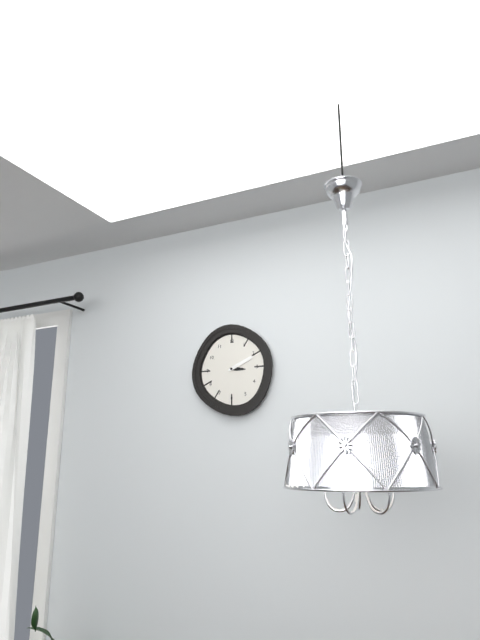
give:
3.11
